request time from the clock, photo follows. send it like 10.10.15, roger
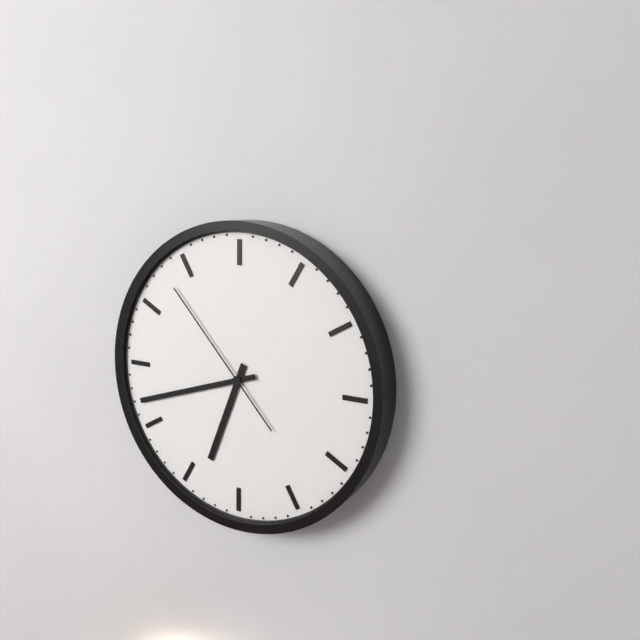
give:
6.42.53
